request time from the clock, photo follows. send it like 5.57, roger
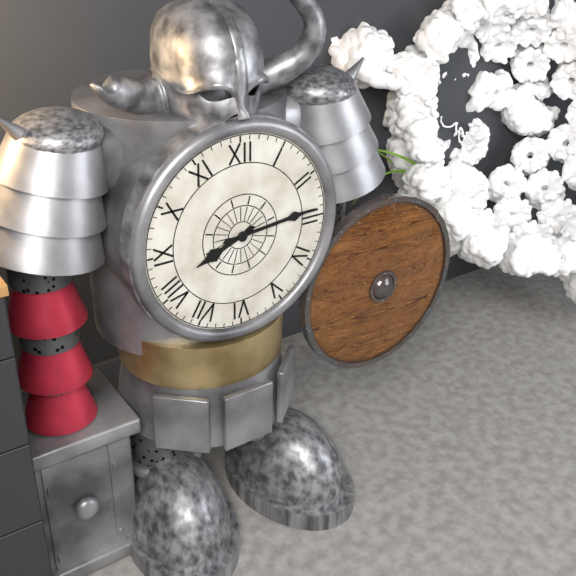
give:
8.14
